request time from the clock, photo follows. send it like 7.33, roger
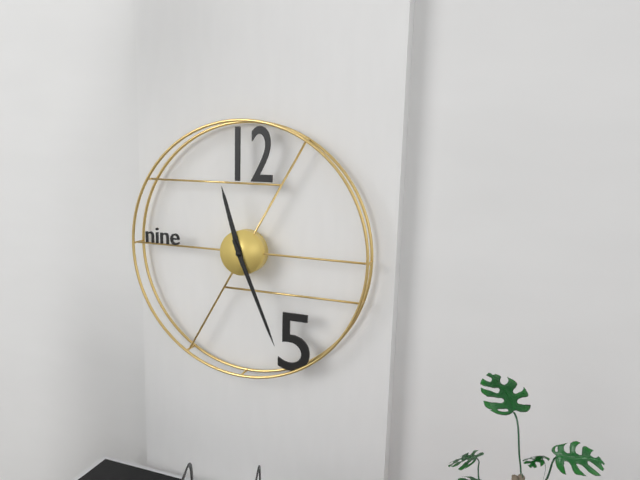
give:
11.26
